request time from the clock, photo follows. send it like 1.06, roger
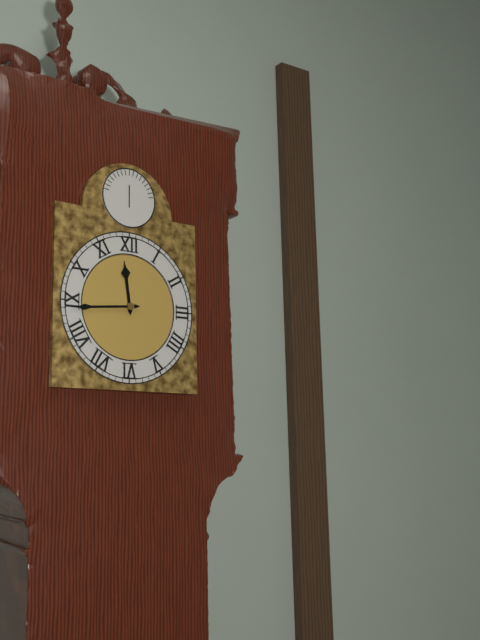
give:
11.44
